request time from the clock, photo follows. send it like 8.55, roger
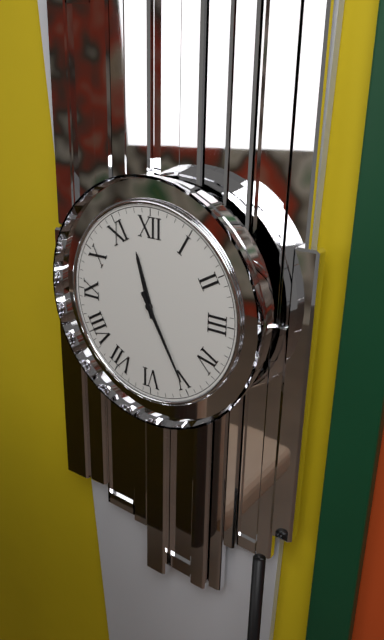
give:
11.25
